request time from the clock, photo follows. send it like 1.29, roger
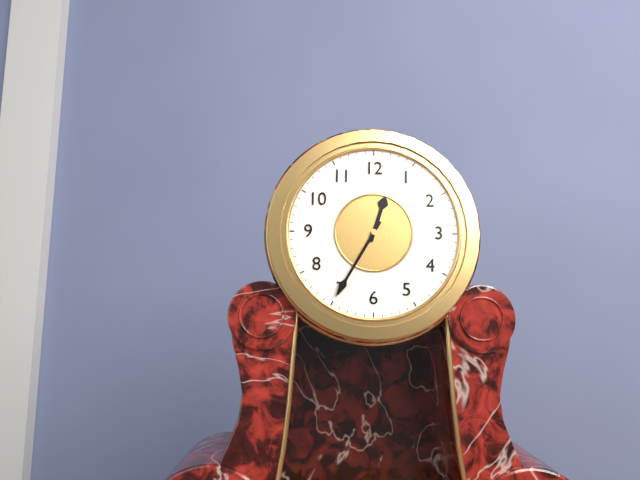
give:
12.35
